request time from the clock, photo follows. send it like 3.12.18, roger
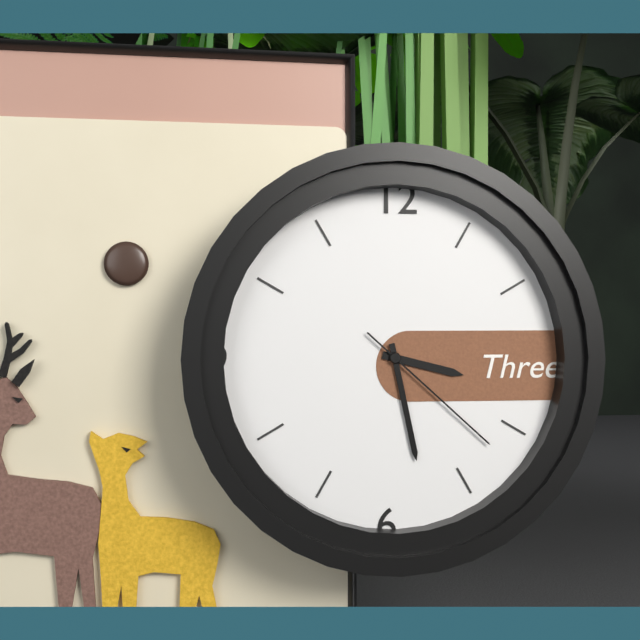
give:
3.28.22
